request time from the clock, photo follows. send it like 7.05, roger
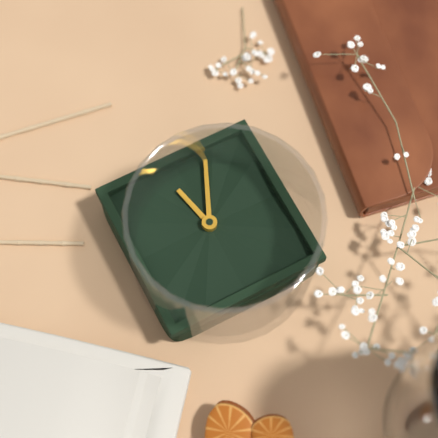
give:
5.34
